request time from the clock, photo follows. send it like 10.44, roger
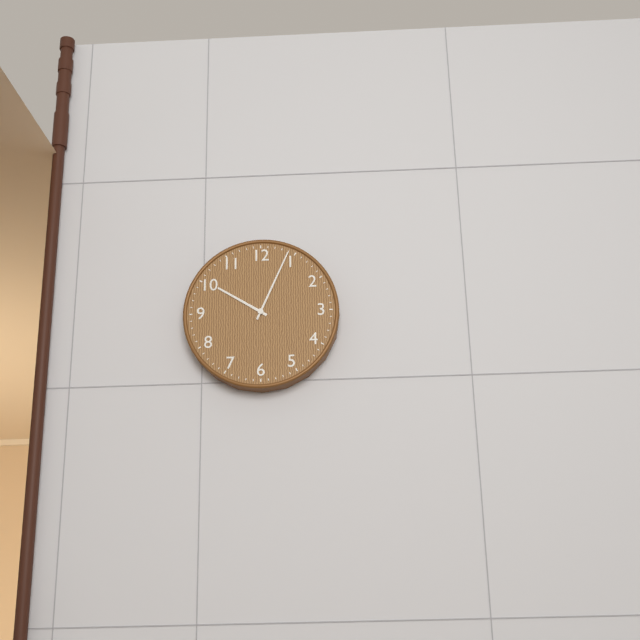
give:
10.04
